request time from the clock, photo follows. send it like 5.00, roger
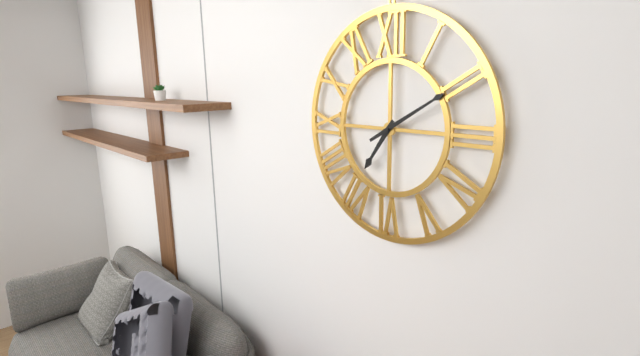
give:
7.10
